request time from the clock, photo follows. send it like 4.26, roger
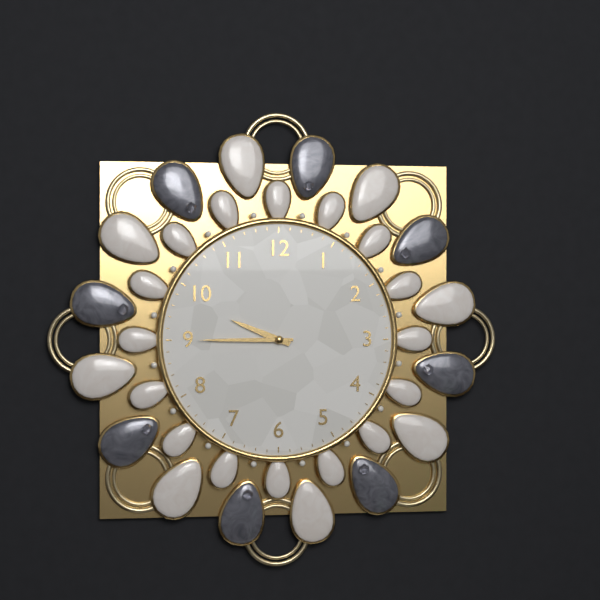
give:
9.45
